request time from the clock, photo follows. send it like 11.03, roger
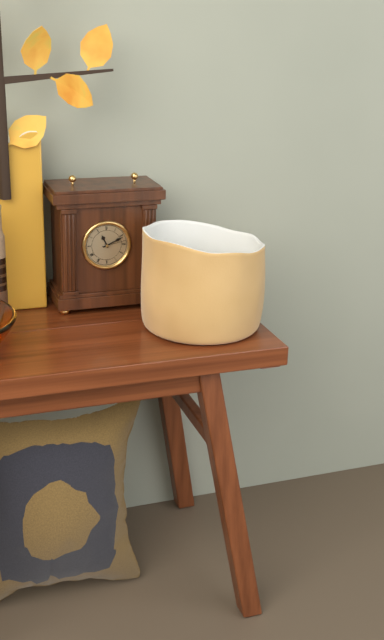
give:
11.11
